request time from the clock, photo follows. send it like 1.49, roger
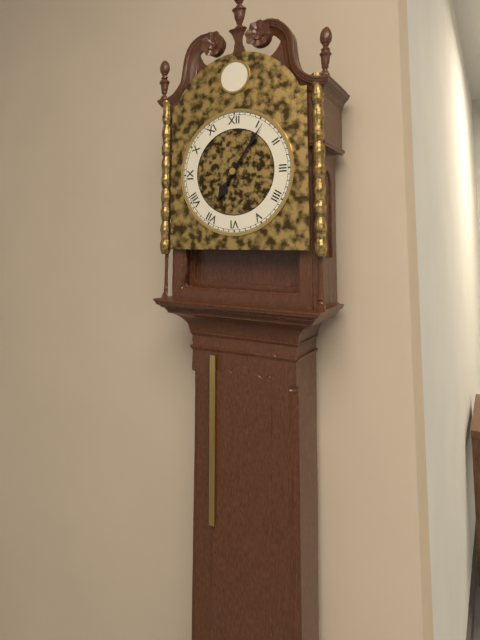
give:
7.06
